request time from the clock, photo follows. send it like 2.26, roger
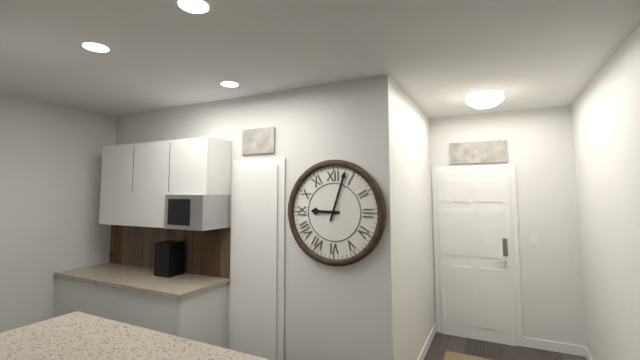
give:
9.03
